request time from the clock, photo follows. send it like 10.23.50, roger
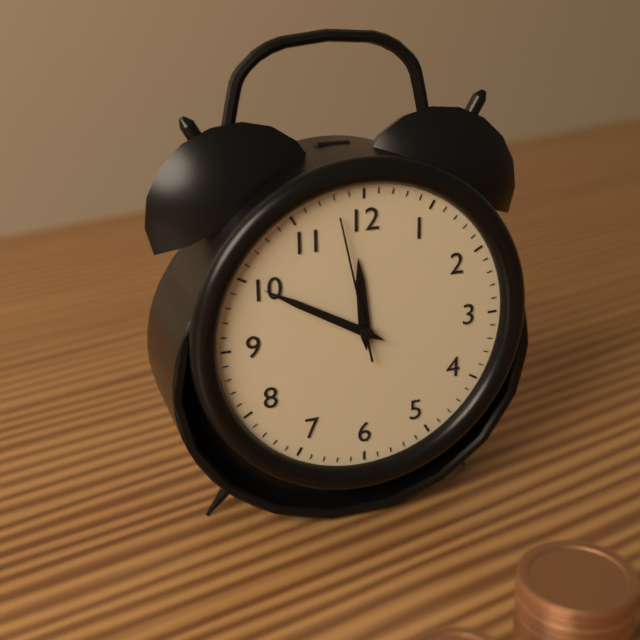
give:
11.50.58
